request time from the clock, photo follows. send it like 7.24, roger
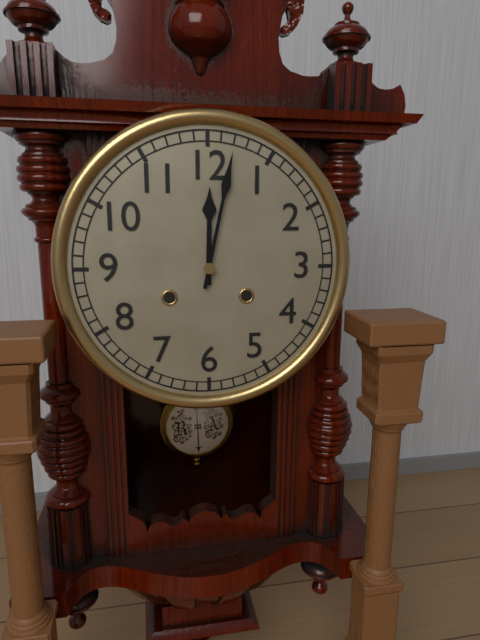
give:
12.02
